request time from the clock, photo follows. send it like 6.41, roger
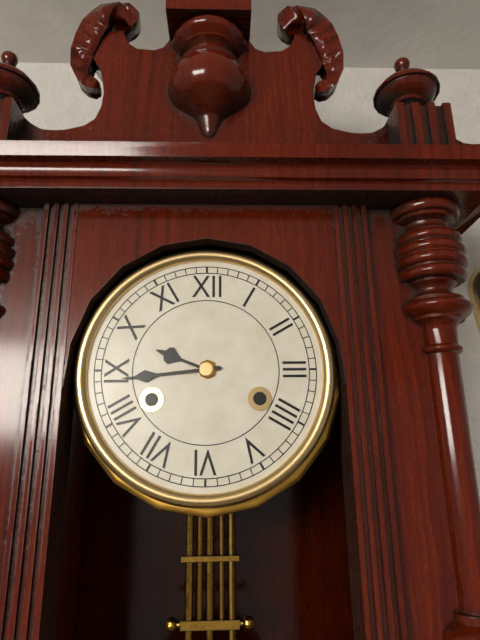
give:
9.44
